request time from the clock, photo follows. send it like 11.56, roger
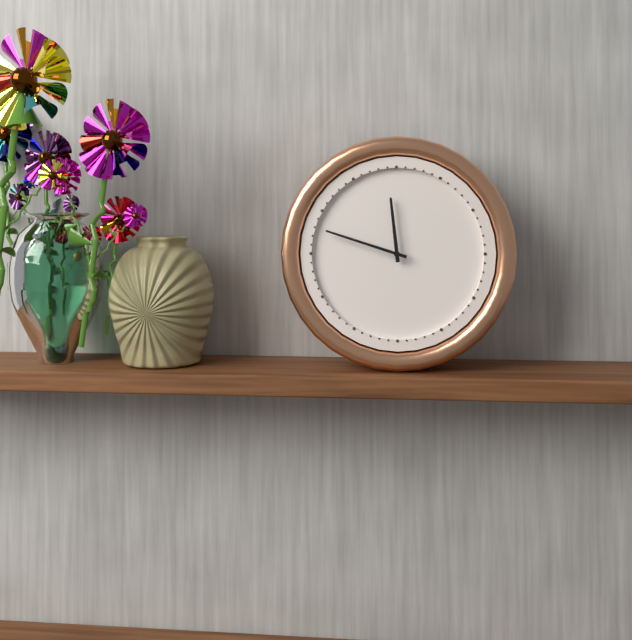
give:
11.48
